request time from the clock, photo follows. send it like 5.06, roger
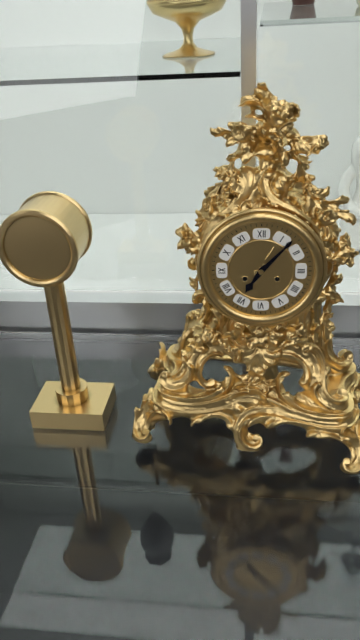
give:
7.07
